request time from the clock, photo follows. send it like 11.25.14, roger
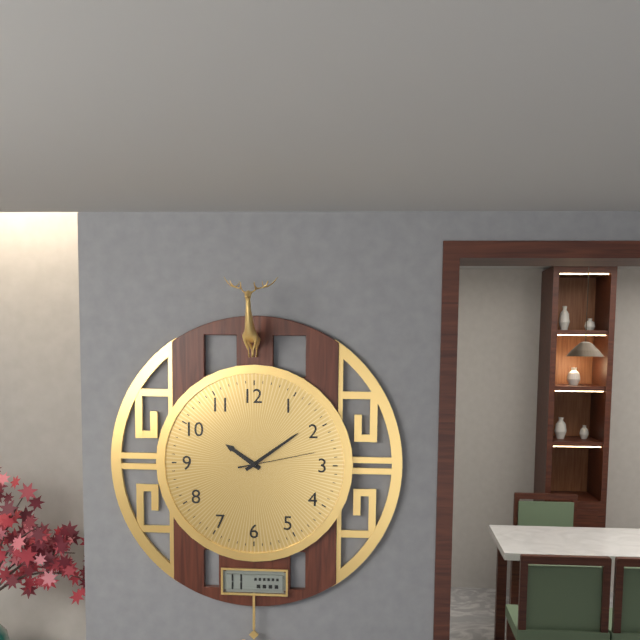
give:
10.09.13
